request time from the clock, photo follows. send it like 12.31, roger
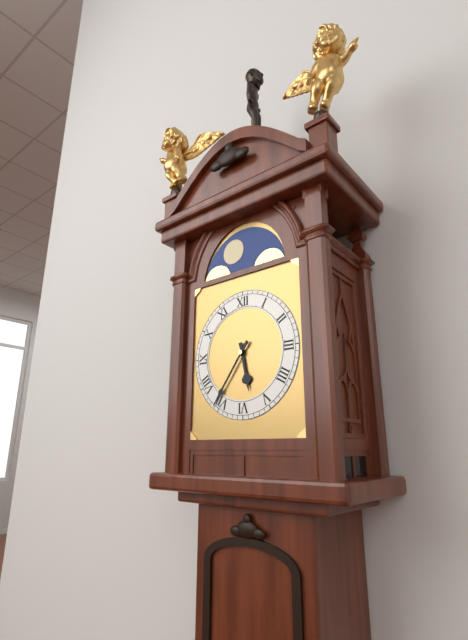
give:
5.36
